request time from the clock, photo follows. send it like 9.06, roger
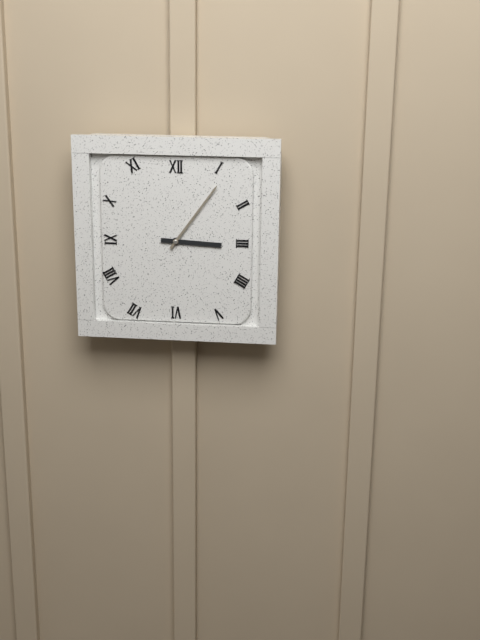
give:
3.06
